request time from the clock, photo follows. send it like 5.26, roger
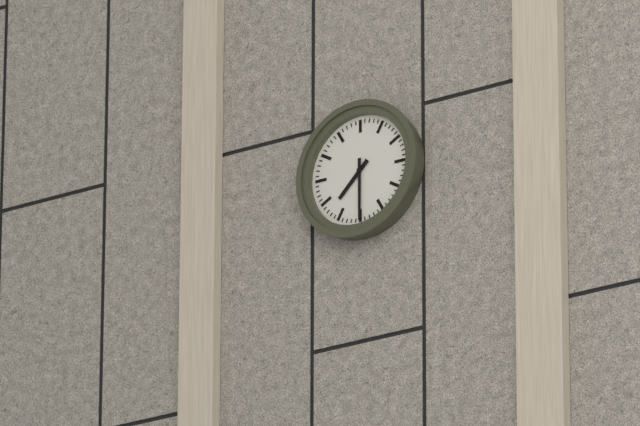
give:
7.30
